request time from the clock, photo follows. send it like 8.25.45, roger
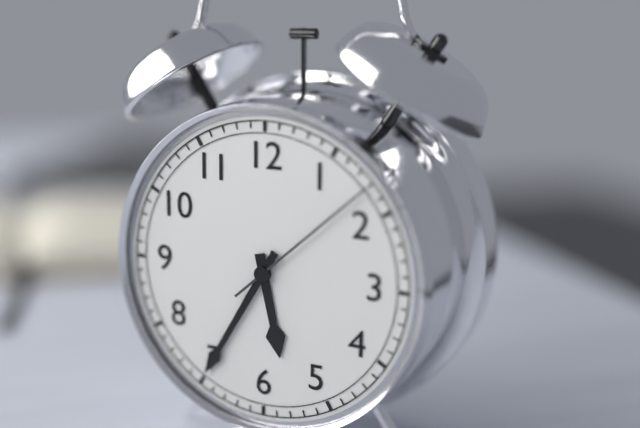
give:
5.35.08
